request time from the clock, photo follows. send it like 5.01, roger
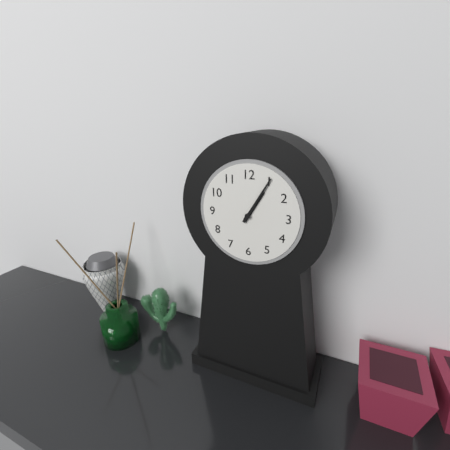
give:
1.05
